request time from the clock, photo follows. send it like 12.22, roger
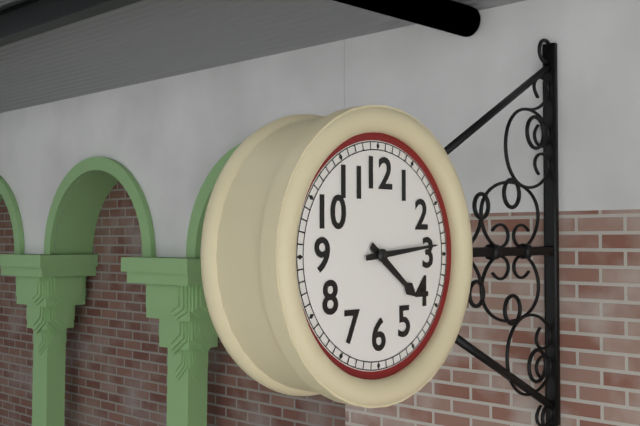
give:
4.14
